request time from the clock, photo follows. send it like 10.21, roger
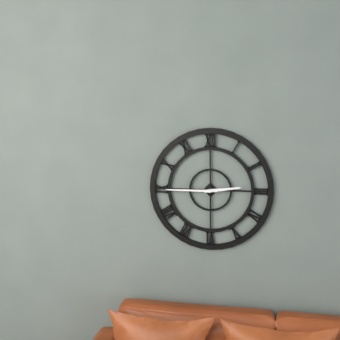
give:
2.45
